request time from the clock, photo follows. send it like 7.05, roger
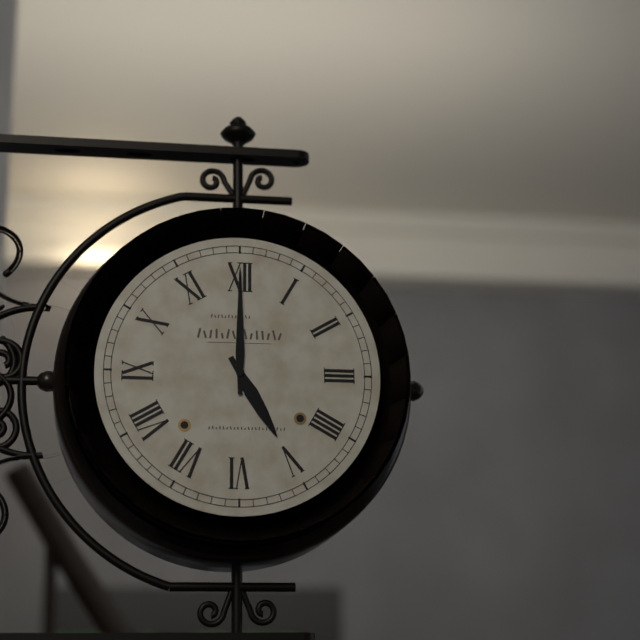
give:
5.00
